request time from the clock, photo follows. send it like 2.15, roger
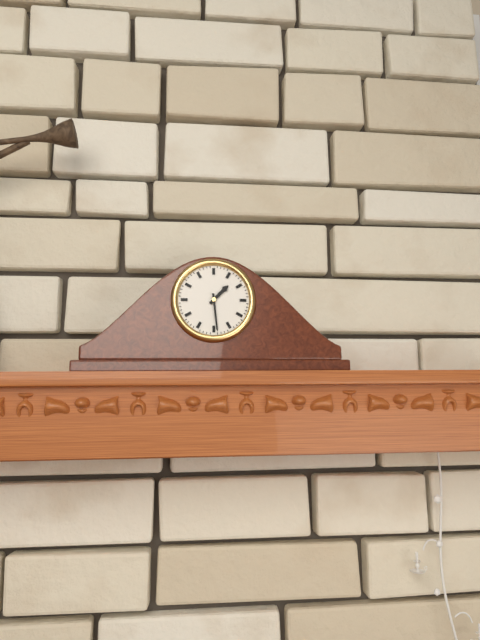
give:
1.29
